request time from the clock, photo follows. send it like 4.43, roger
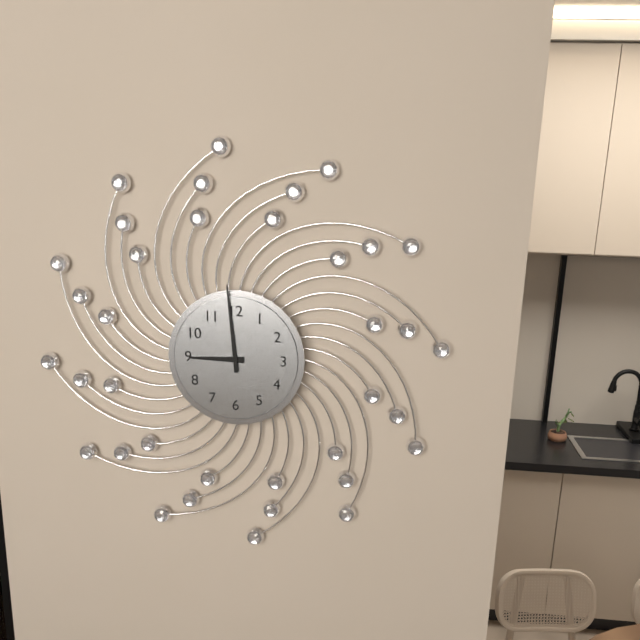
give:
8.59
